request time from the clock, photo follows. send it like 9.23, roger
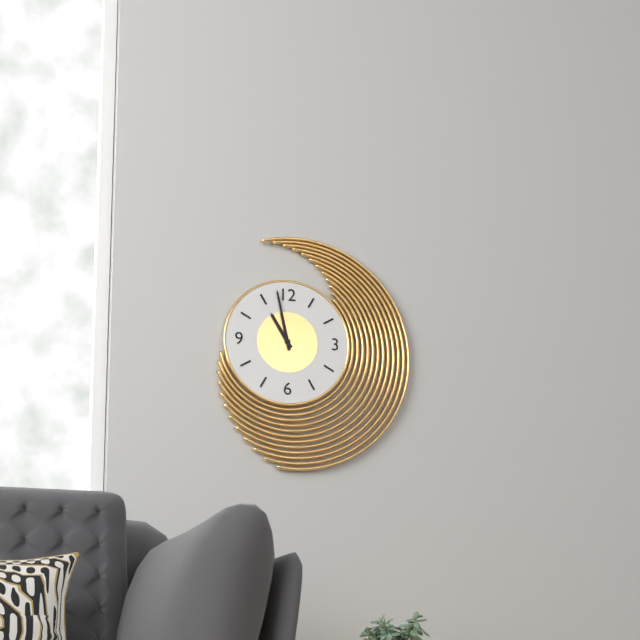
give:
10.58
